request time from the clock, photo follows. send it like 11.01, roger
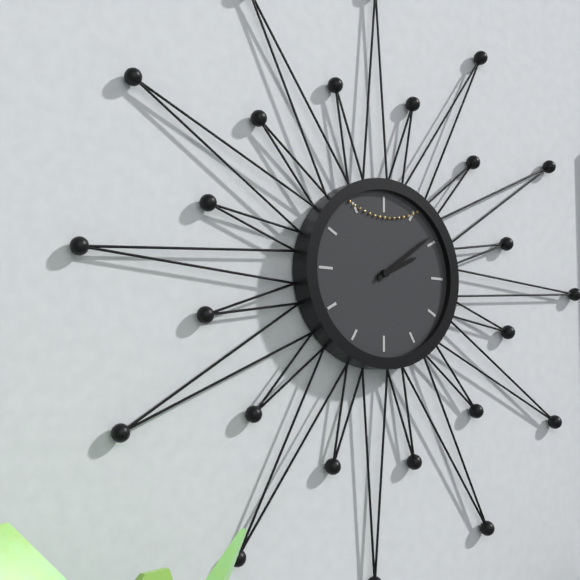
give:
2.09
